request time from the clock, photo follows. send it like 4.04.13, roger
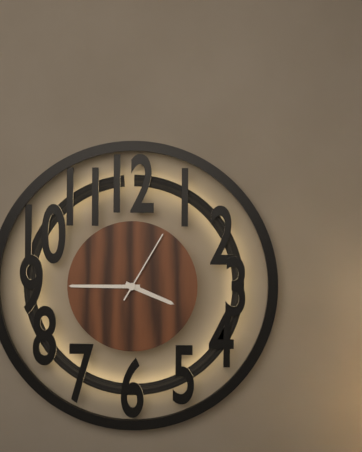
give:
3.45.05
